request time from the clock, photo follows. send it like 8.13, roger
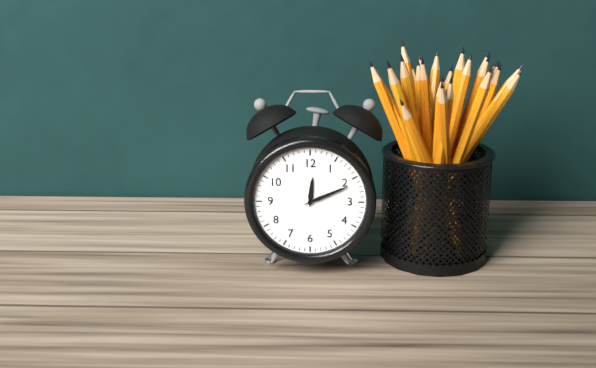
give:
12.11
